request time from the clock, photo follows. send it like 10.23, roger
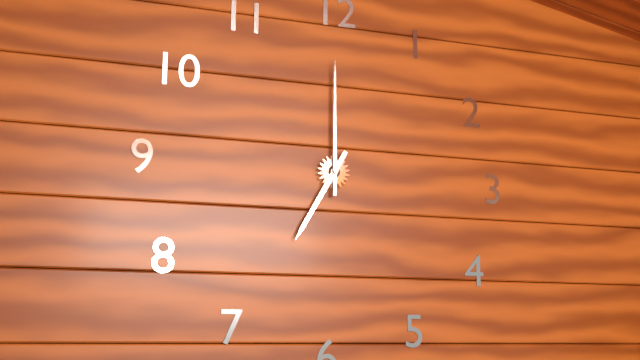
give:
7.00
